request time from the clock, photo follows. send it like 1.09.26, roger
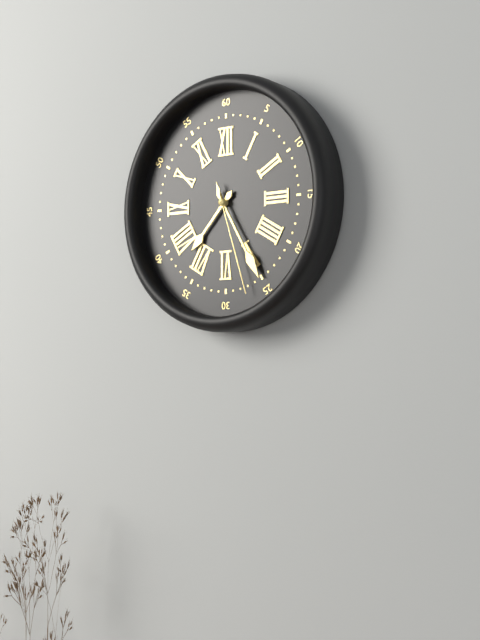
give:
7.25.27
